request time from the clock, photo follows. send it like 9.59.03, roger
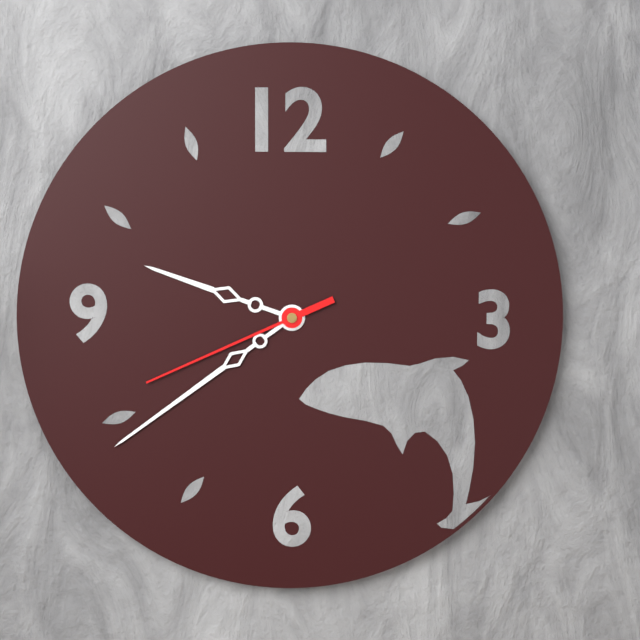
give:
9.39.41
